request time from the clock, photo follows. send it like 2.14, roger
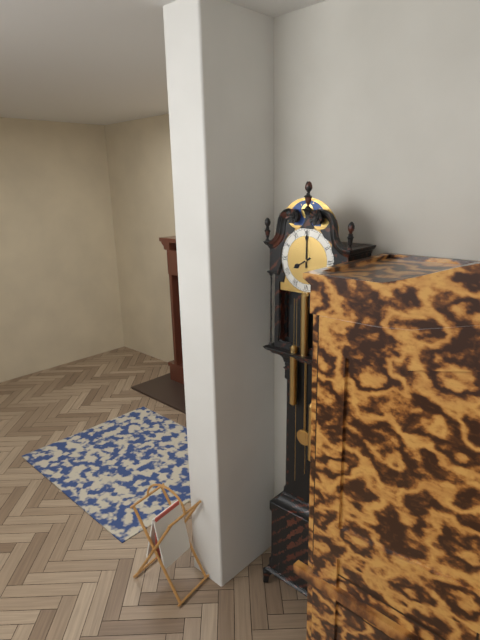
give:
8.00
